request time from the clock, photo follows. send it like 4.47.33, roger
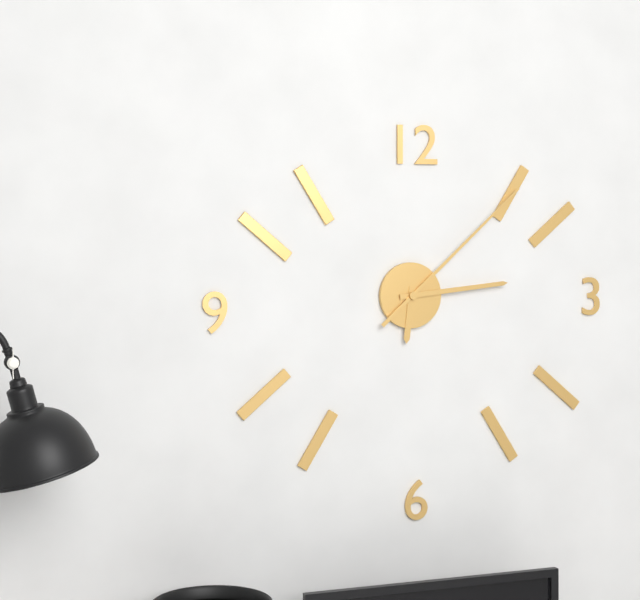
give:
6.14.08
